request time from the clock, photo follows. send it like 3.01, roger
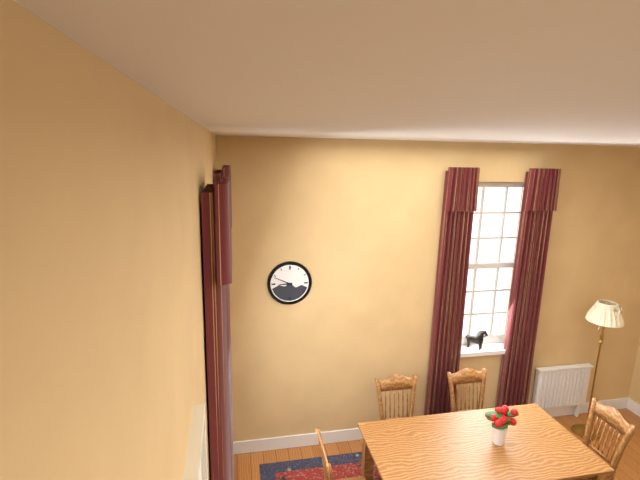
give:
8.49
